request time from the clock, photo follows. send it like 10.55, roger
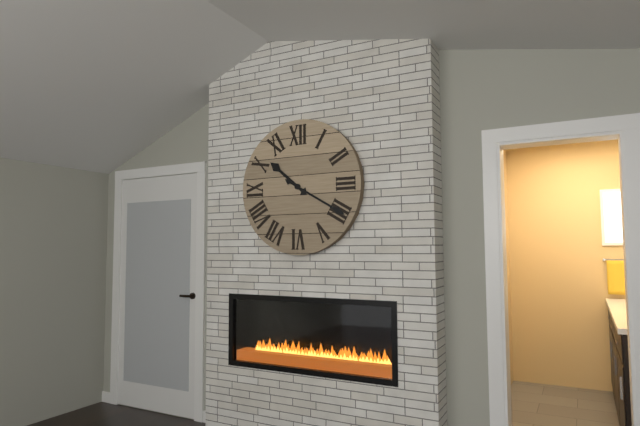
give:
10.20
